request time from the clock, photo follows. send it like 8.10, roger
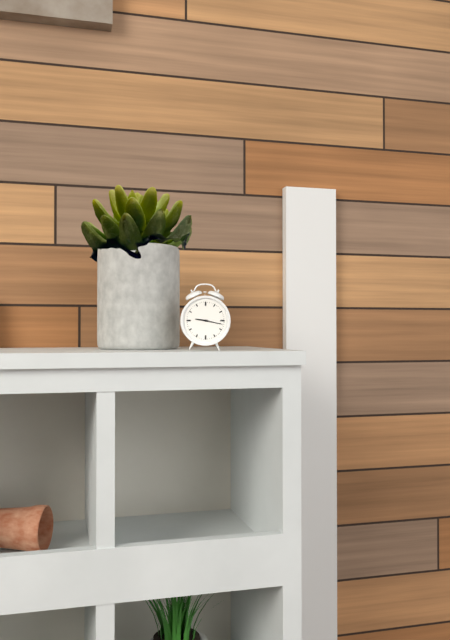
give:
9.17
